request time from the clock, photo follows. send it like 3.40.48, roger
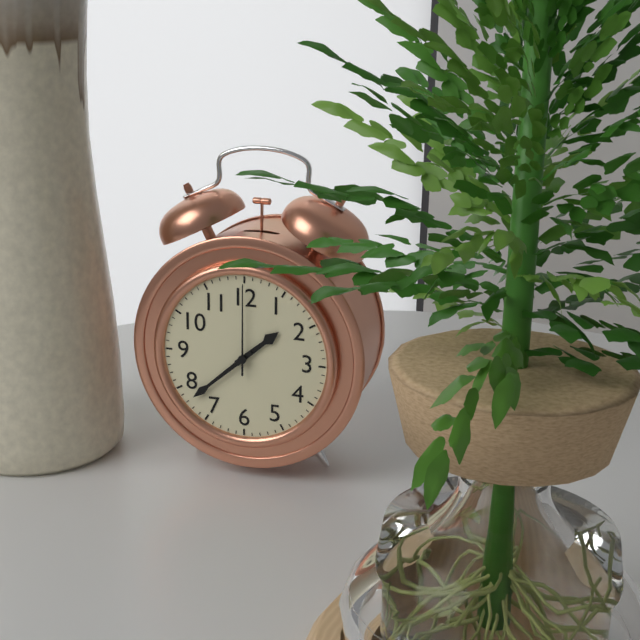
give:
1.38.00
